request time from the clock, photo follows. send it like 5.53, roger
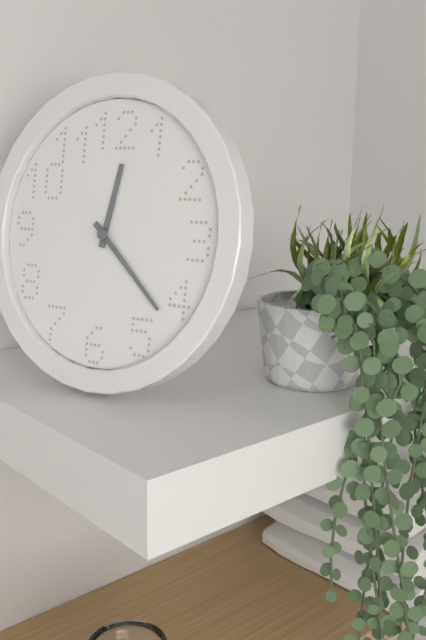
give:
12.22
